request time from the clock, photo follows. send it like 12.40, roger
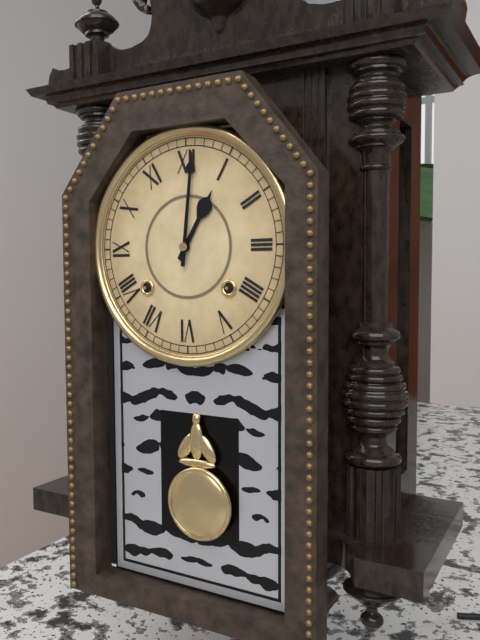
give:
1.01
